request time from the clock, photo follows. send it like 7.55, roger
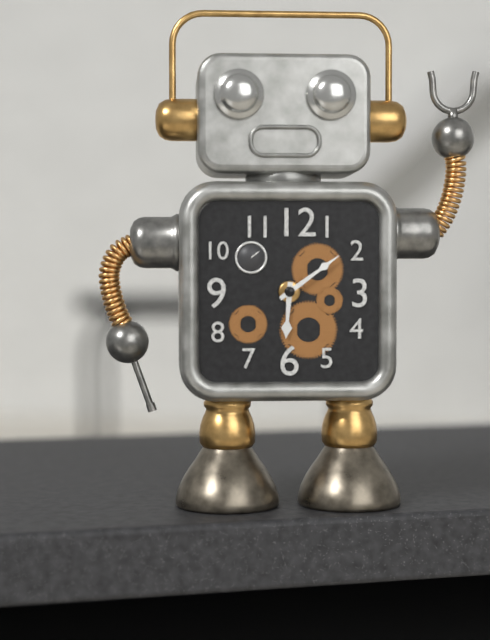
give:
6.09
